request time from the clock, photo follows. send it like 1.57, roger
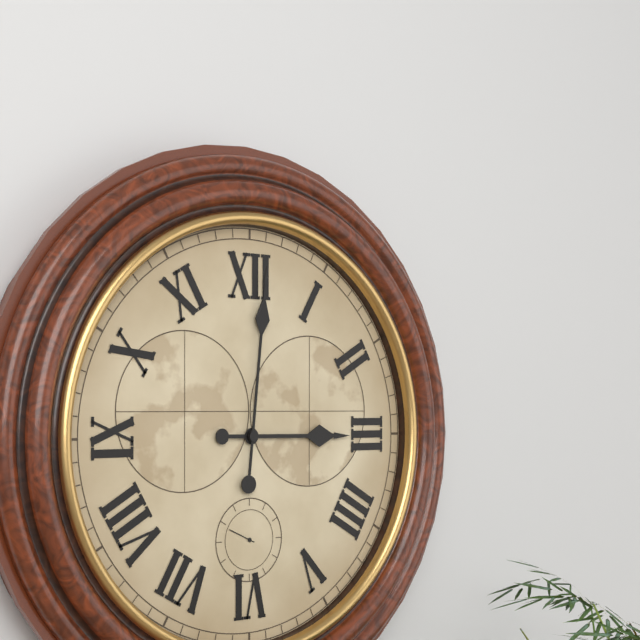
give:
3.01
